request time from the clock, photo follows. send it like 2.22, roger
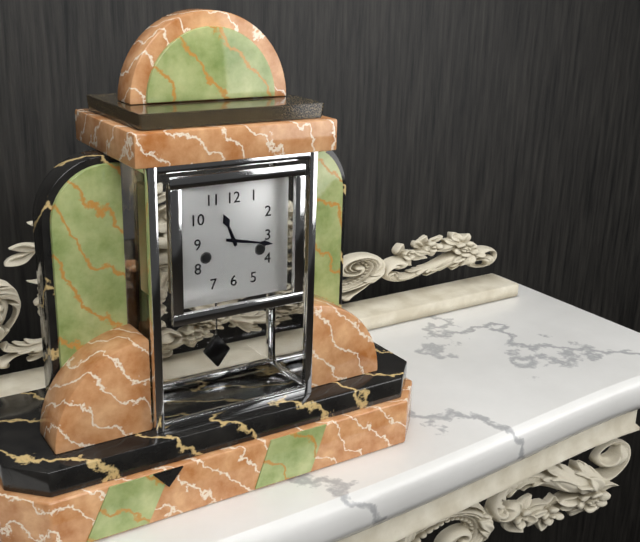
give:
11.17
